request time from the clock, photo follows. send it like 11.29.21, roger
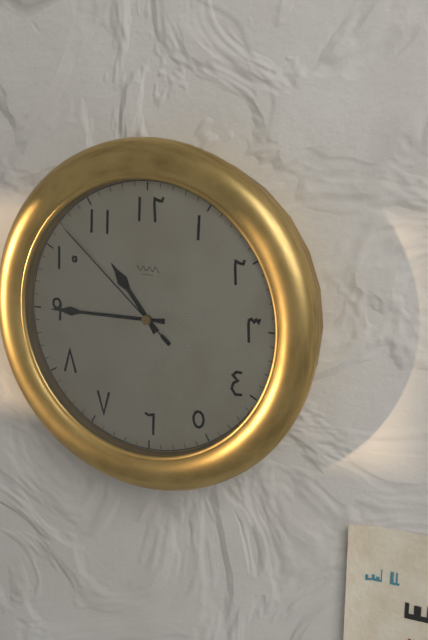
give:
10.45.52
